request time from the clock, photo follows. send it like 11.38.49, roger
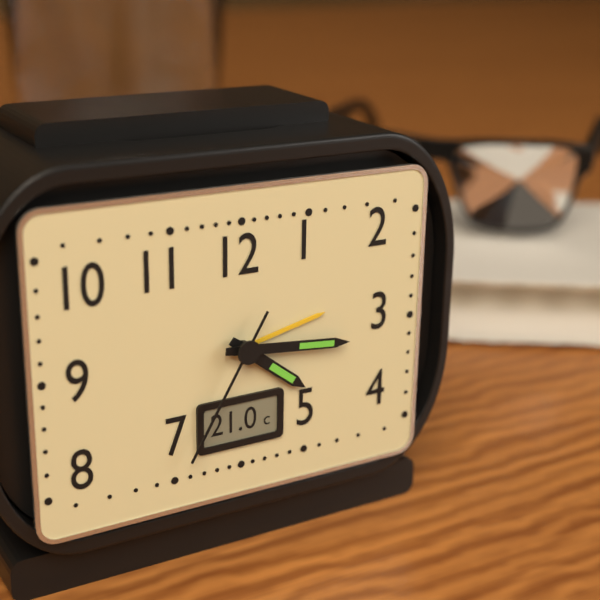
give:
4.16.35
